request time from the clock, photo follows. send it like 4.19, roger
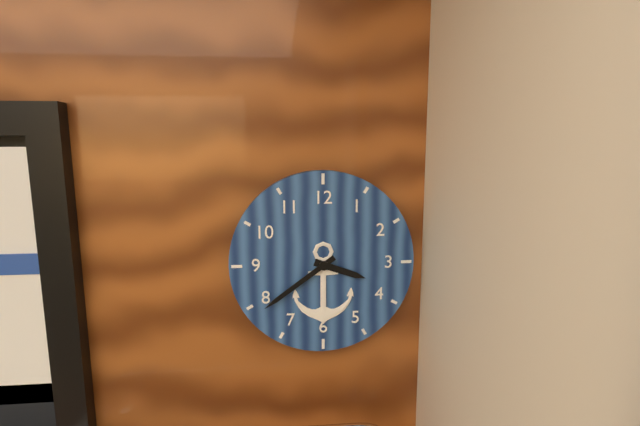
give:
3.39
